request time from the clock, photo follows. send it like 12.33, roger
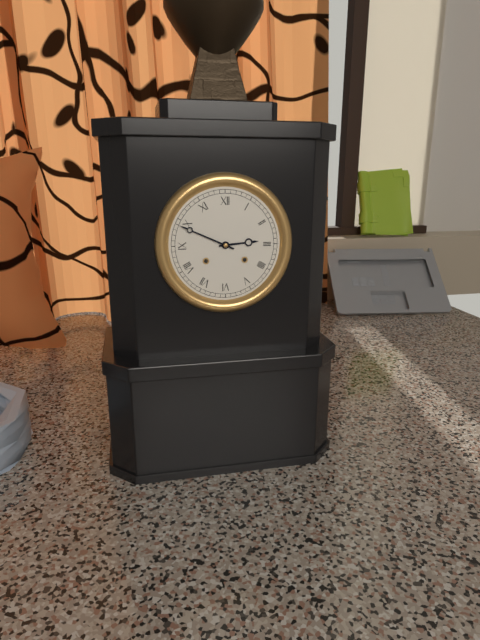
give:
2.49
